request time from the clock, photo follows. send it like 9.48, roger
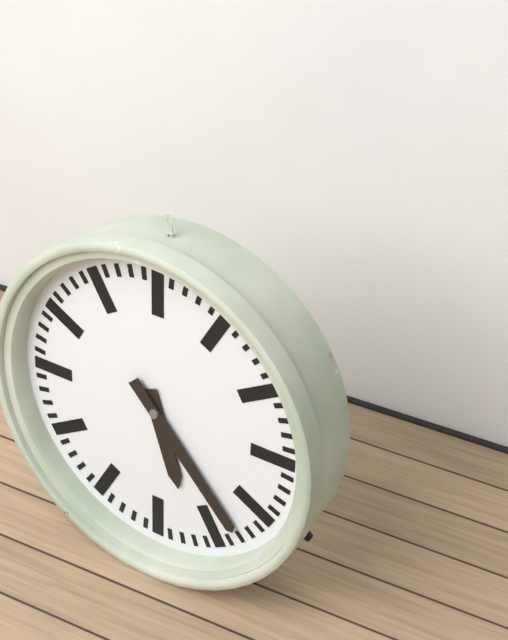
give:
5.23
